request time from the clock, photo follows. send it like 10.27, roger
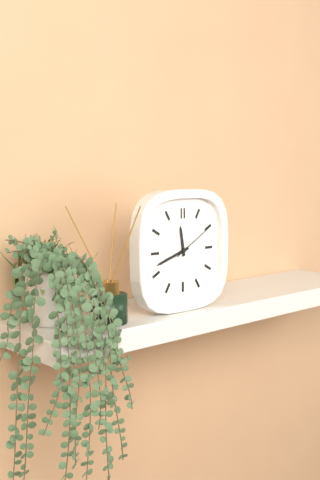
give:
11.42
